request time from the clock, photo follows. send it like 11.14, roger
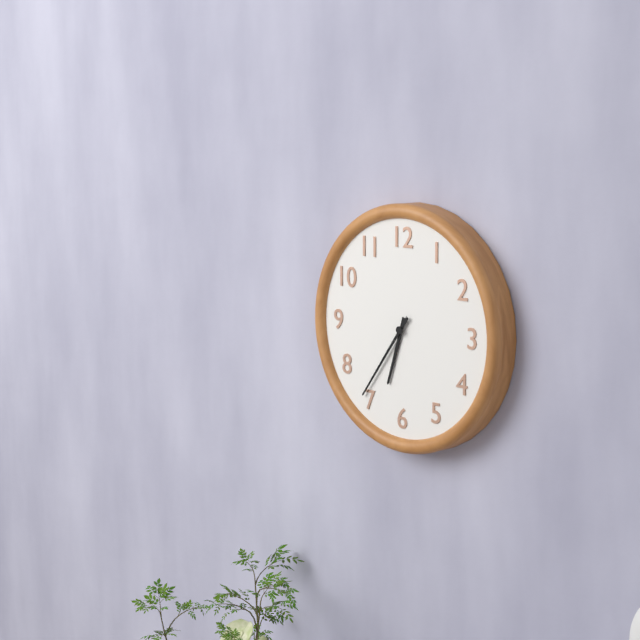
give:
6.36
